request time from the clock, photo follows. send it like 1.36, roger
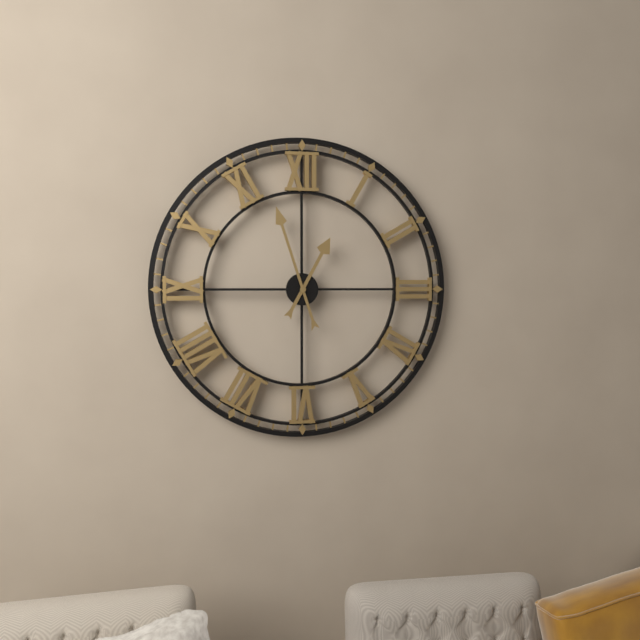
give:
12.57
